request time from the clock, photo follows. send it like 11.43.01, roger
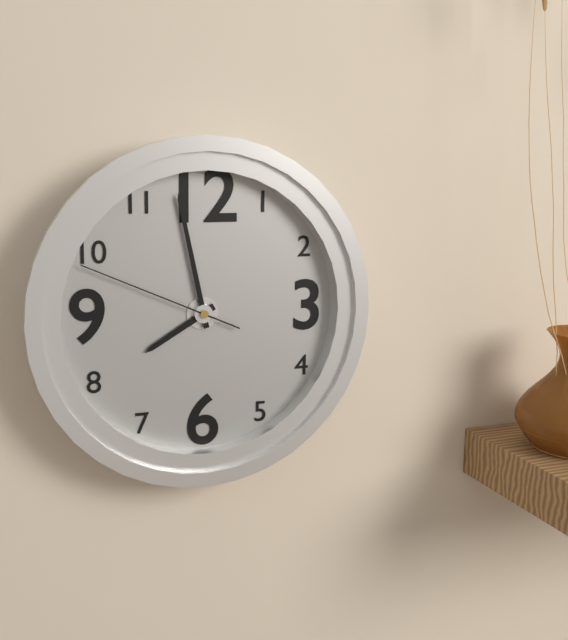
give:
7.58.49
